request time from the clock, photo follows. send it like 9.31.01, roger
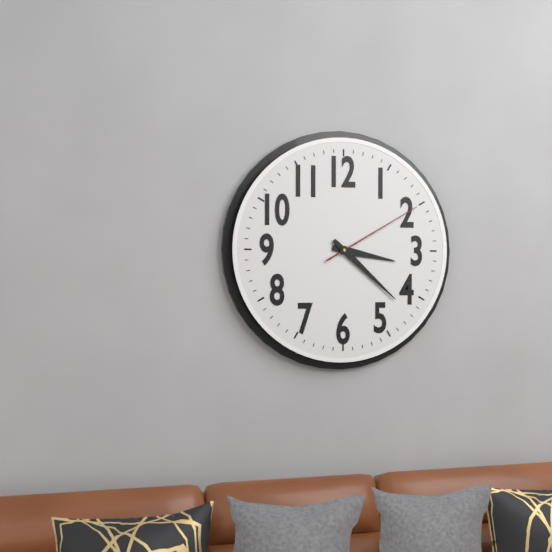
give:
3.22.10
